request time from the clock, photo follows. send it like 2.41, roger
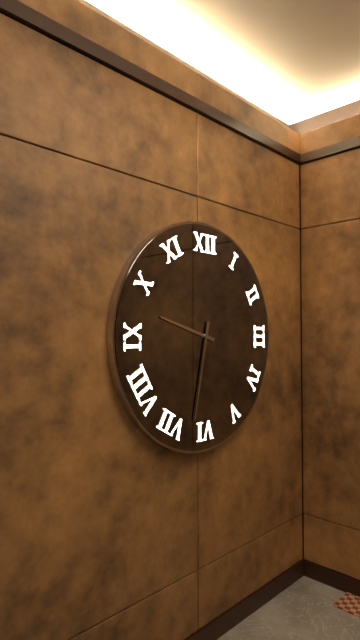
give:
9.32
